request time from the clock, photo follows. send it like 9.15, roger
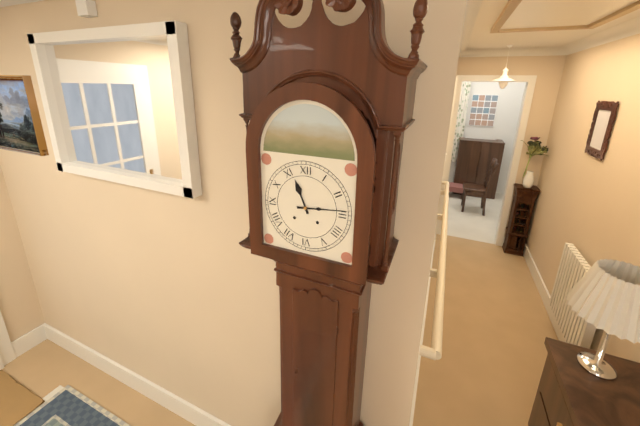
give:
11.14
